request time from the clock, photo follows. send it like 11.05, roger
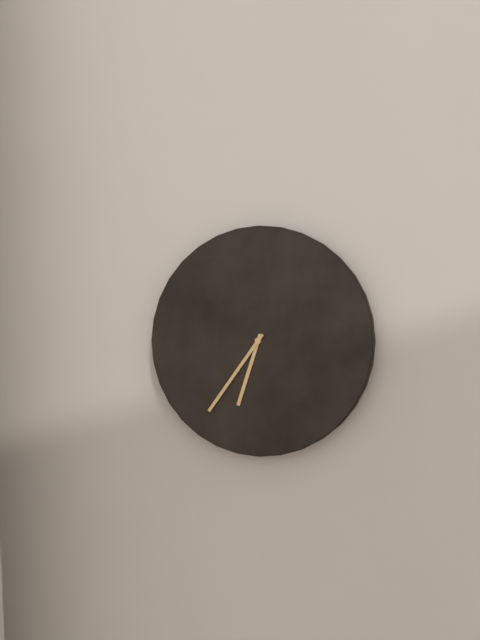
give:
6.36
